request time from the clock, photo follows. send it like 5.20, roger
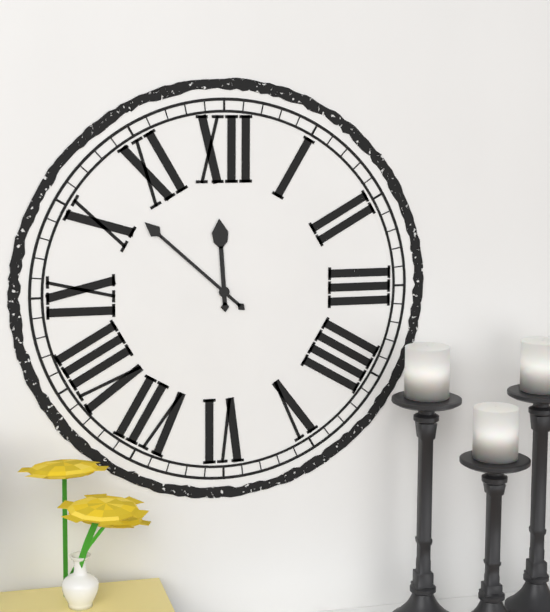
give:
11.52
